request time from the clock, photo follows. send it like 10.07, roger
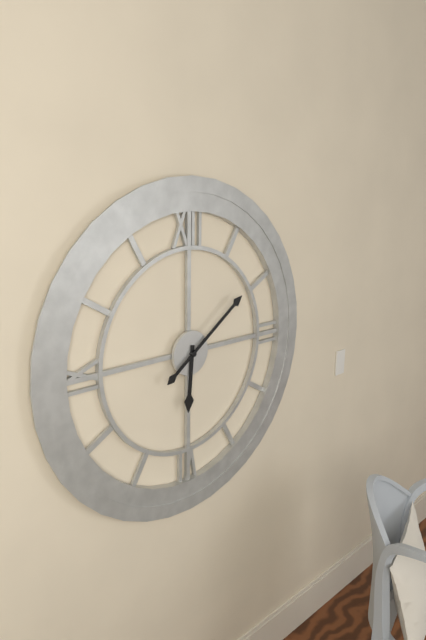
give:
6.09
